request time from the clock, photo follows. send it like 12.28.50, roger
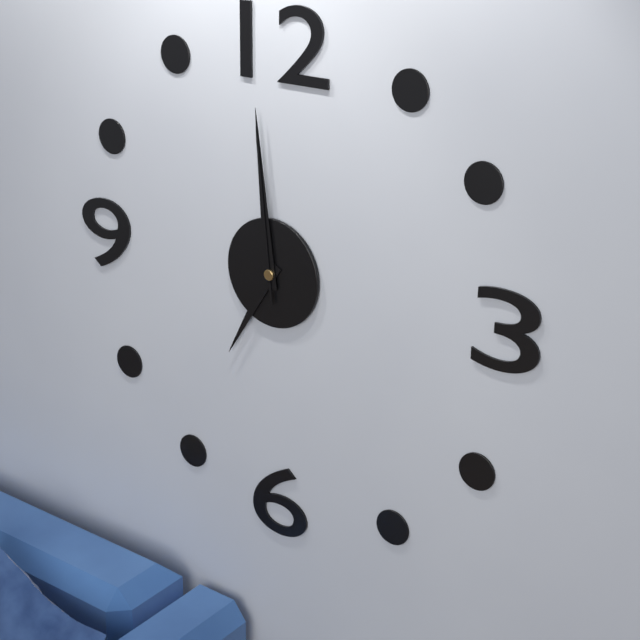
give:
6.59.59
